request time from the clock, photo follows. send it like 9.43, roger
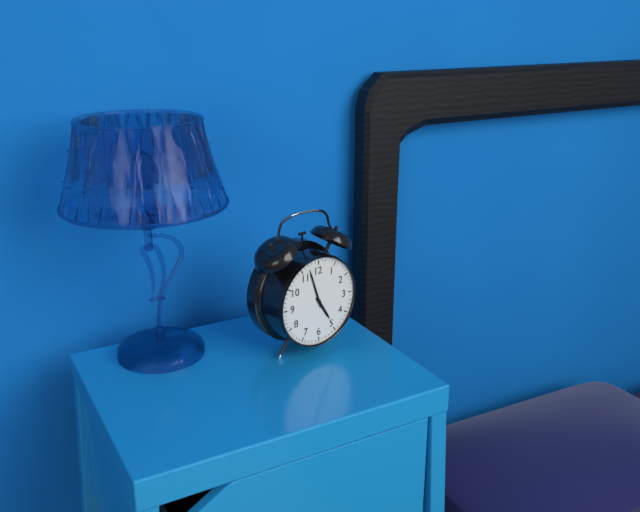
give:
4.57
